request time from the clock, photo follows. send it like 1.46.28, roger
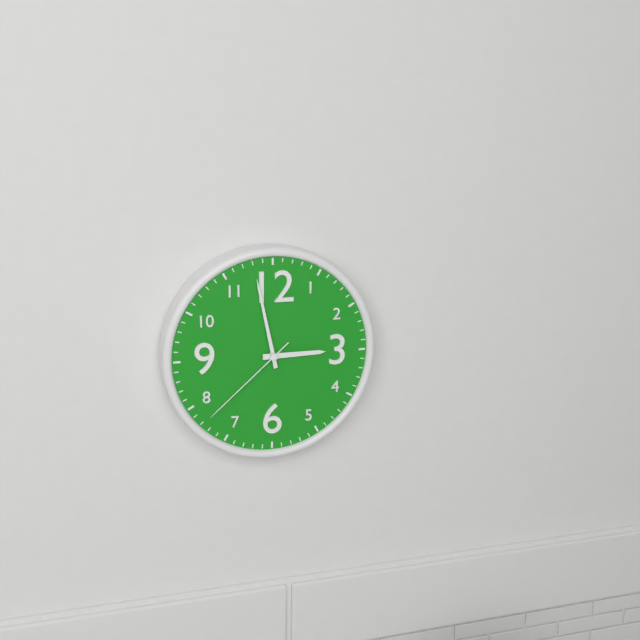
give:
2.58.38
